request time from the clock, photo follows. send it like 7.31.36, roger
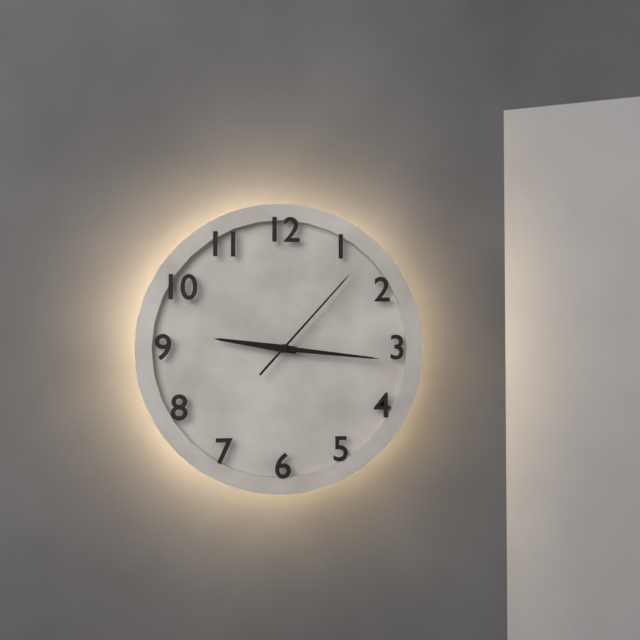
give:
9.16.07
